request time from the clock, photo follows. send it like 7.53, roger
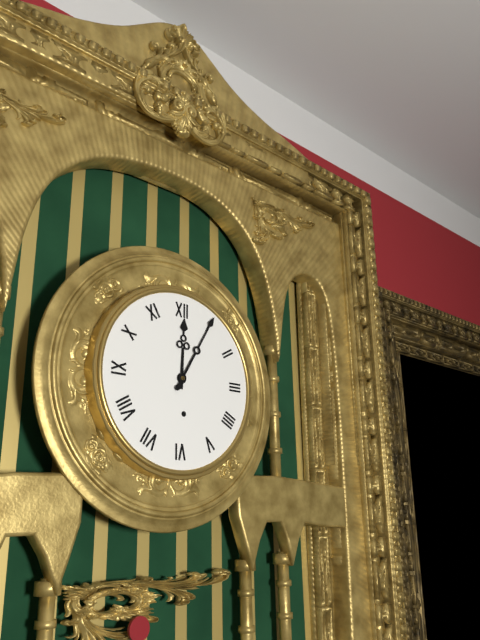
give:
12.05
